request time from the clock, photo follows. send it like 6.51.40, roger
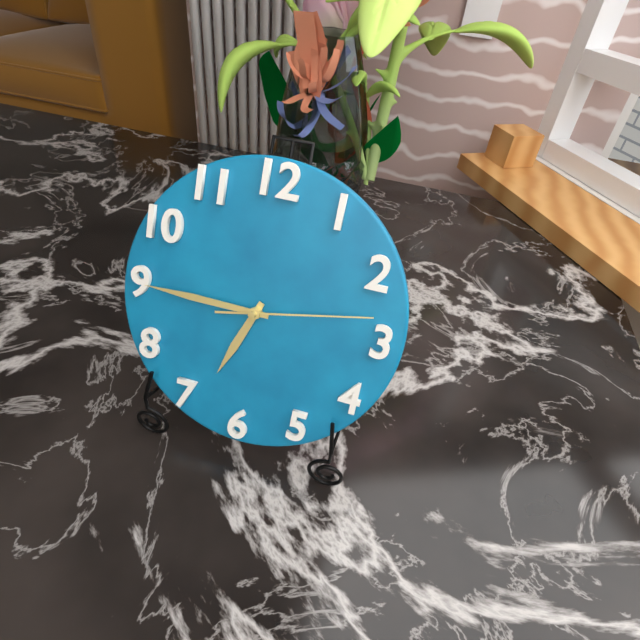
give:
6.45.13
